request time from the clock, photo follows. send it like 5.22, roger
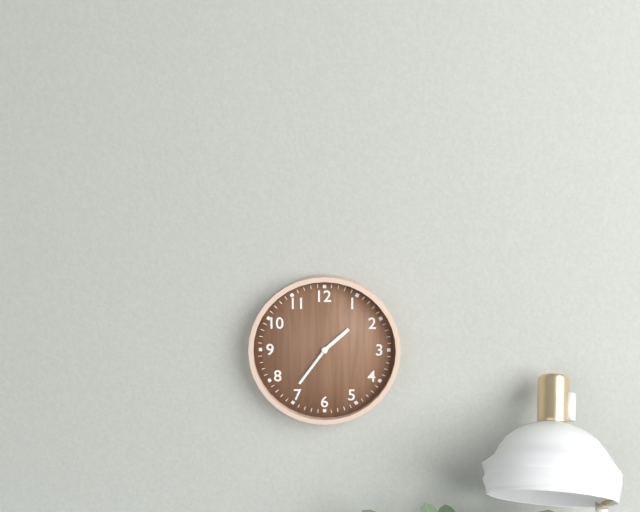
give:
1.36
